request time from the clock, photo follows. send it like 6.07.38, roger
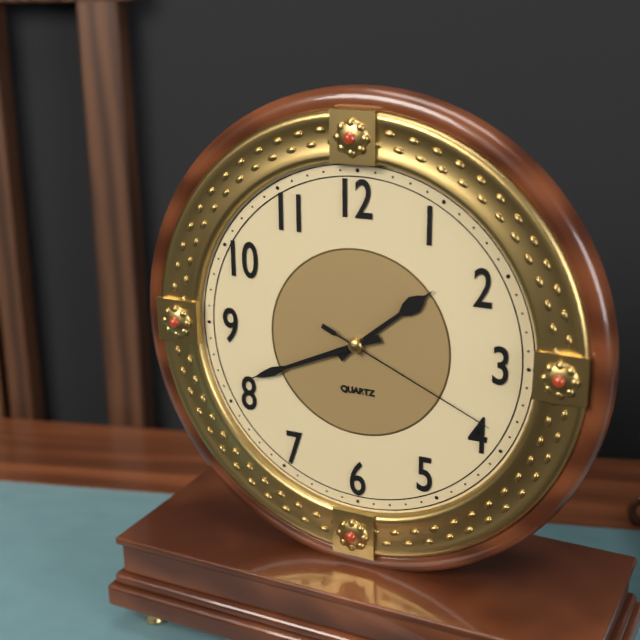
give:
1.41.19
